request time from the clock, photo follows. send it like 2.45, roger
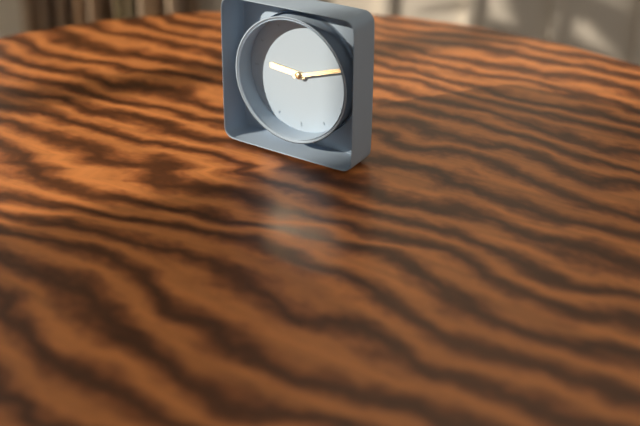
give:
9.12
